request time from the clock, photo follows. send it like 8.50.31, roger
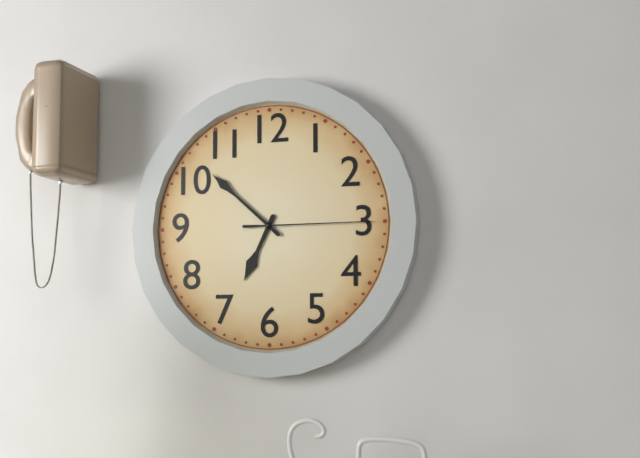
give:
6.52.15
